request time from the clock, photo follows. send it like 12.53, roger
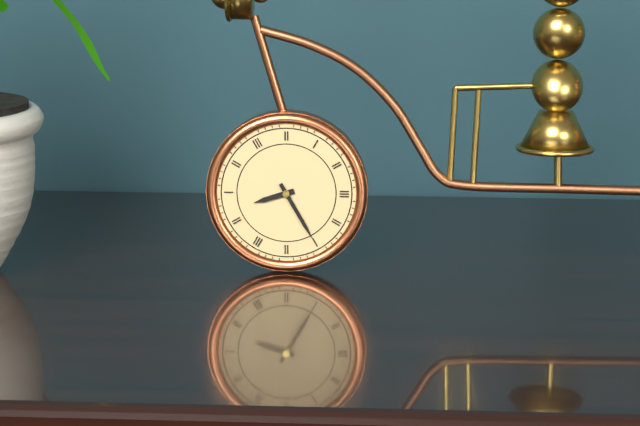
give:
8.25
